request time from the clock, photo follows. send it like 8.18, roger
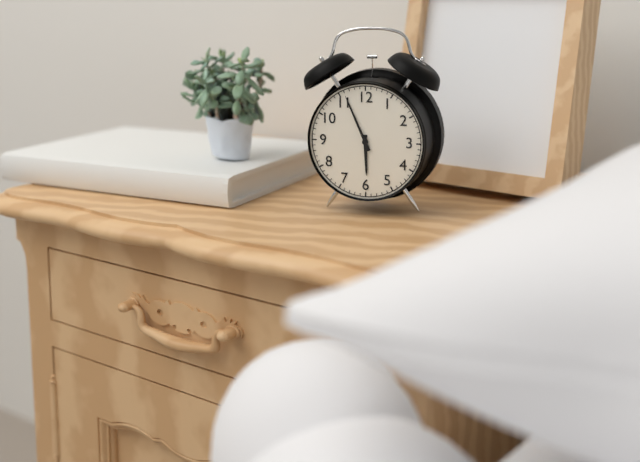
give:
5.56
